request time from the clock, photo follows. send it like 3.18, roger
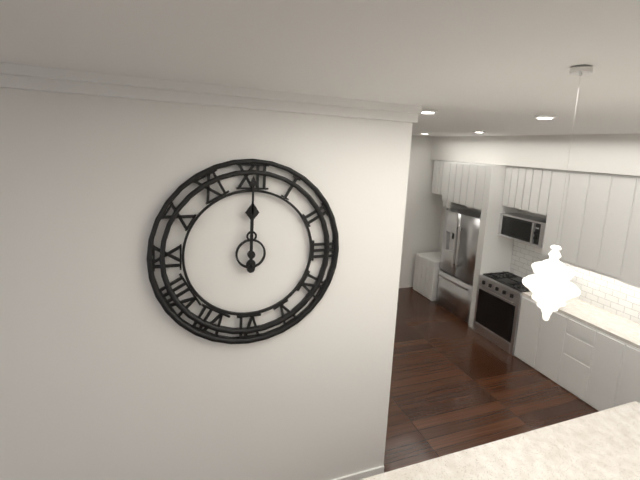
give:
12.00
